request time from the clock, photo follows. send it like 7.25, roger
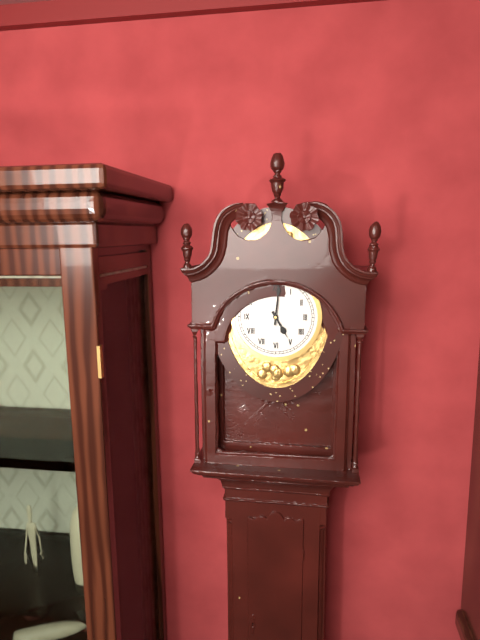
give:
5.01
